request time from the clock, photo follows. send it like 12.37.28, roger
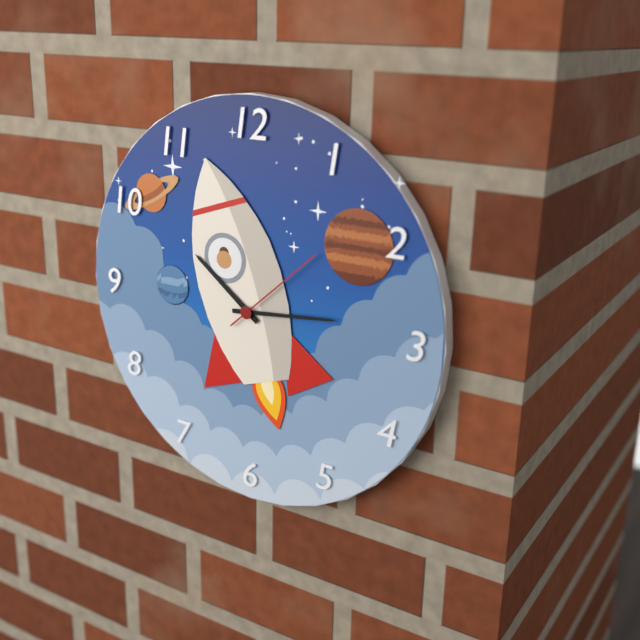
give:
10.14.08
